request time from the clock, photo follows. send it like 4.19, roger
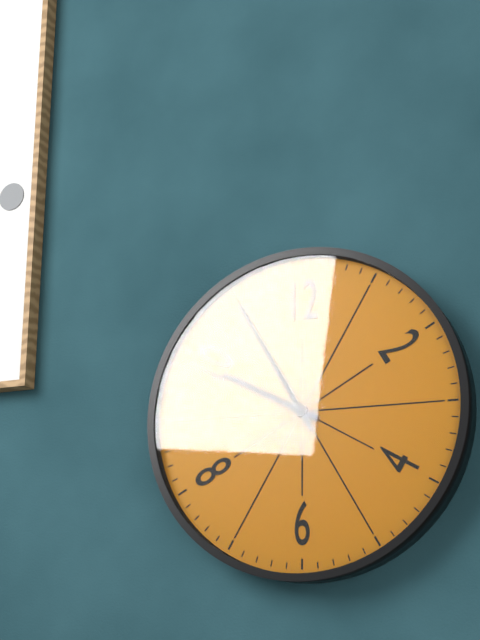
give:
9.55
